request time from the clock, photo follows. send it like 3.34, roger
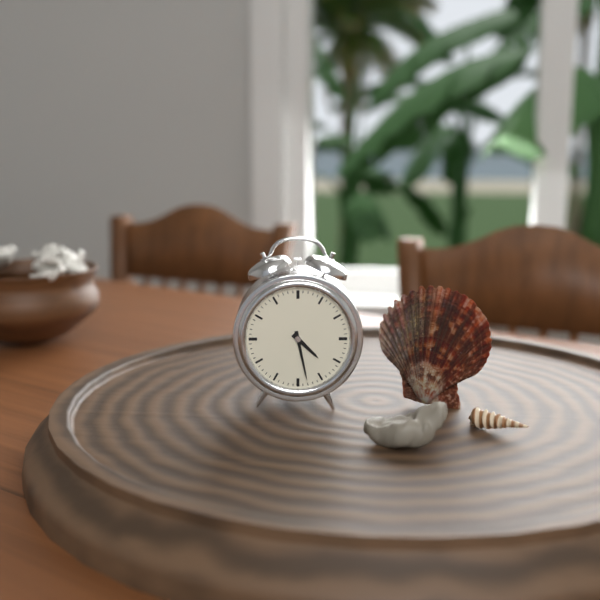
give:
4.28
